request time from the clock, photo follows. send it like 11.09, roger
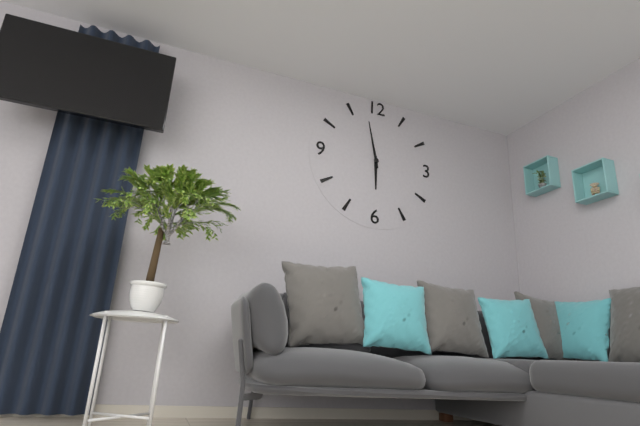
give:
5.58
